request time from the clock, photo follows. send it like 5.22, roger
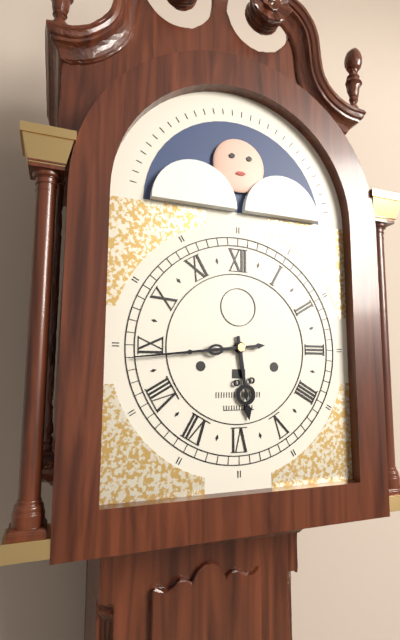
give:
5.44
